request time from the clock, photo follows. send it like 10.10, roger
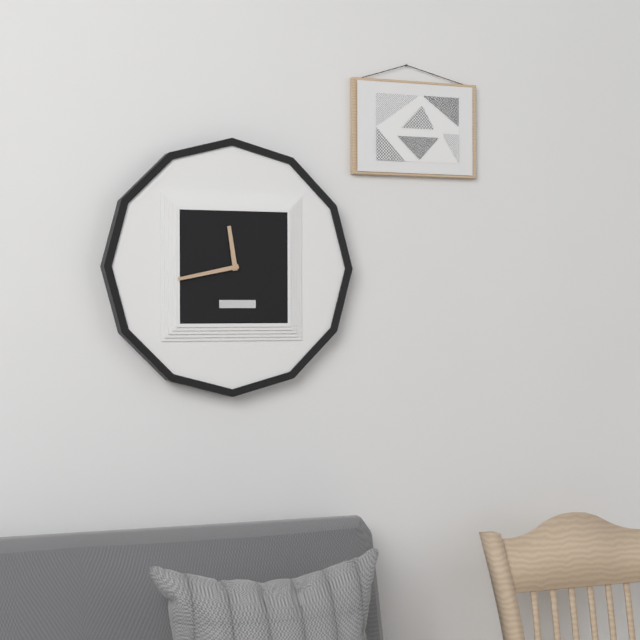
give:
11.43
